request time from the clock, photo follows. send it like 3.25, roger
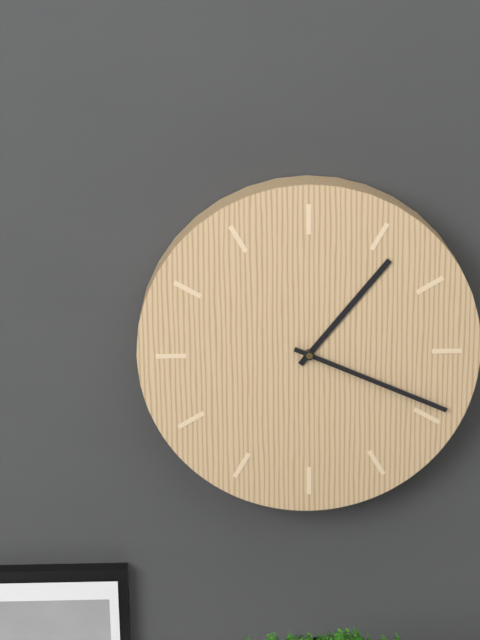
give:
1.19
